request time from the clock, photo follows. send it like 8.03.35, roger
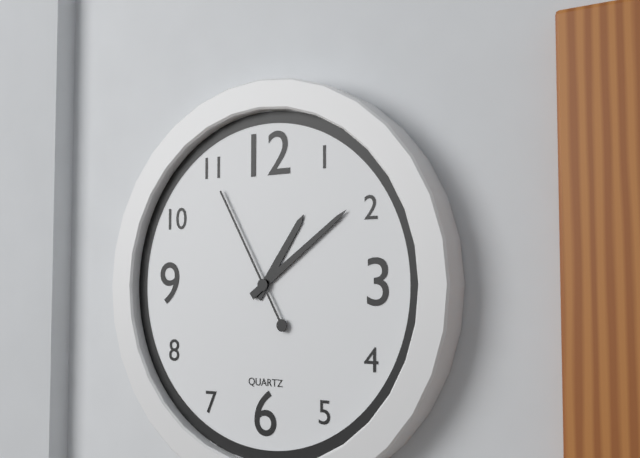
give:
1.09.55
